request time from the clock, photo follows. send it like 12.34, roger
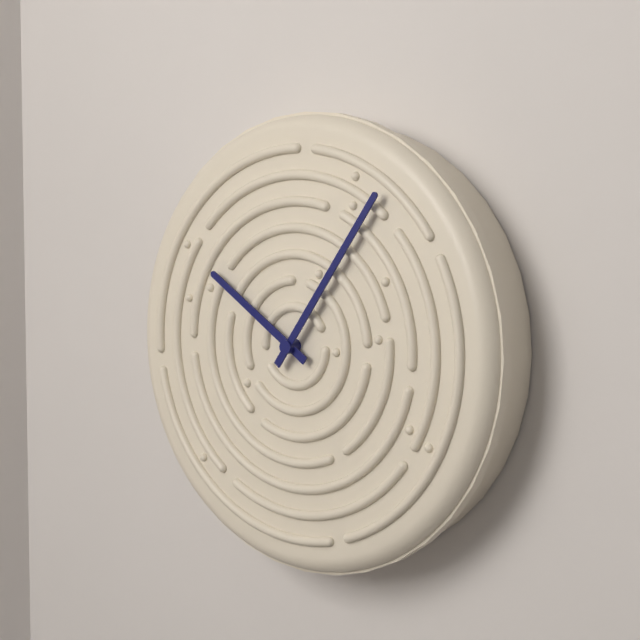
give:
10.06
